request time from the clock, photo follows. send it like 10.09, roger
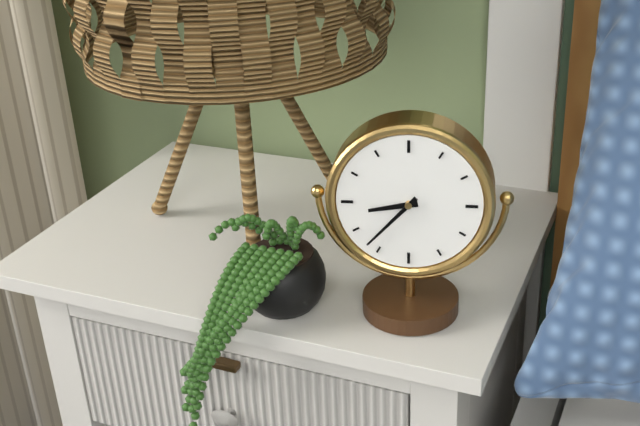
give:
8.37
